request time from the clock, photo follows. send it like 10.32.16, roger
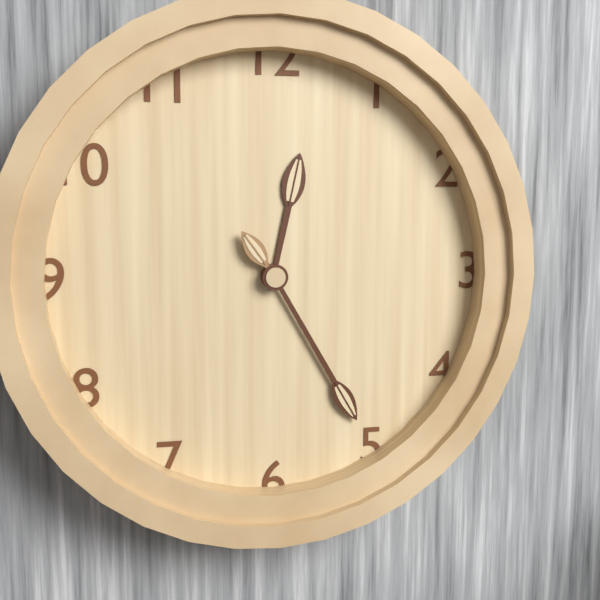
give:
12.25.54
